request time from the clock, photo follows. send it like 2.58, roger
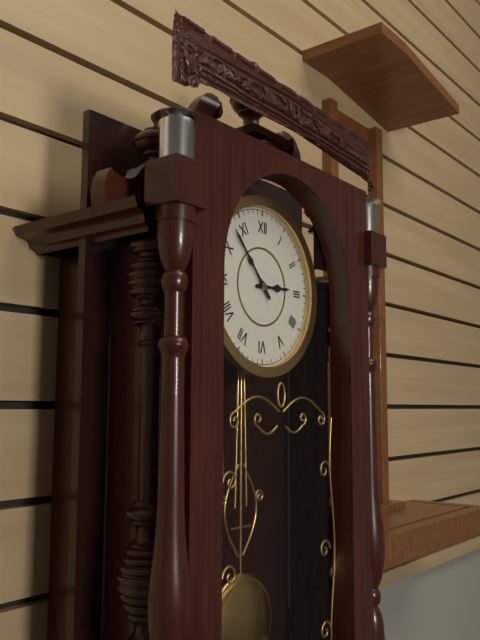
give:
2.53
